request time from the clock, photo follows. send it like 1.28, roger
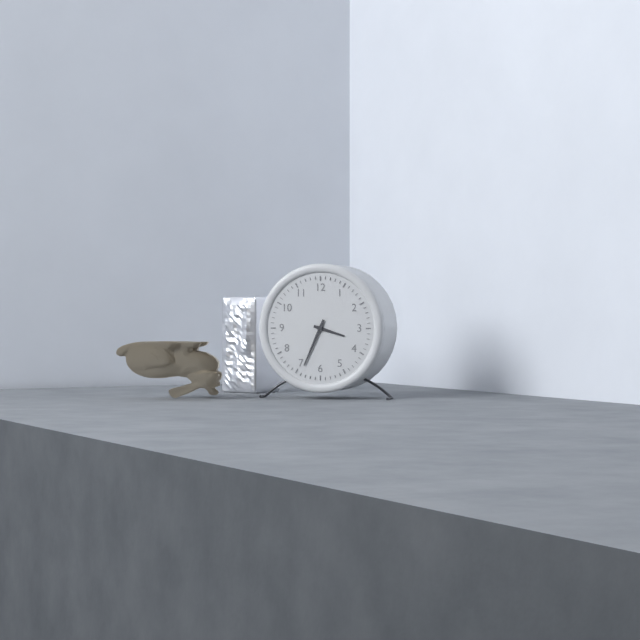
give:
3.34
